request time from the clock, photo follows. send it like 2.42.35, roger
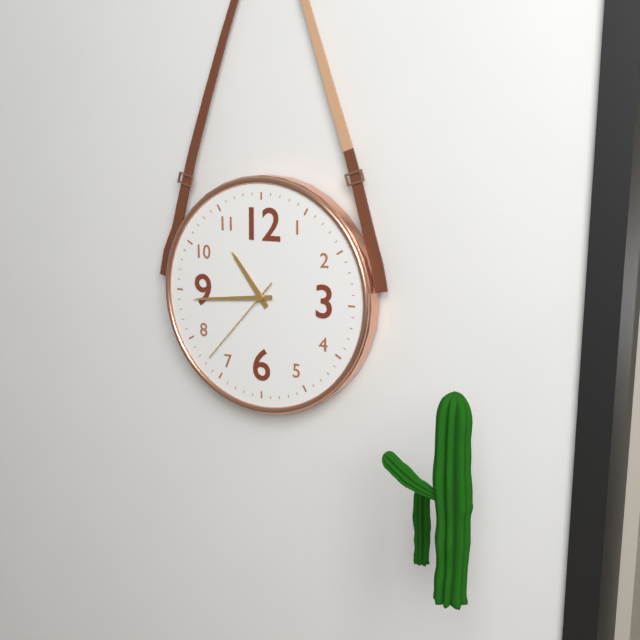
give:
10.44.37
